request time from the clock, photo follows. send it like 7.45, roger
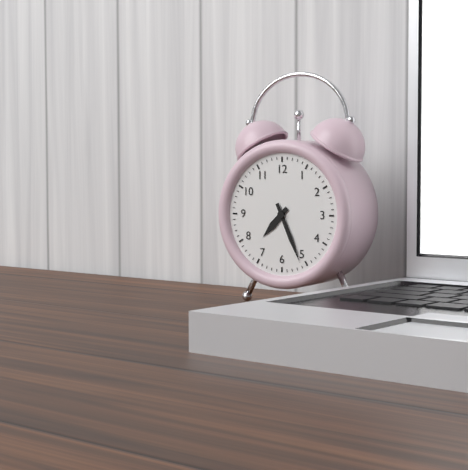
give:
7.26
